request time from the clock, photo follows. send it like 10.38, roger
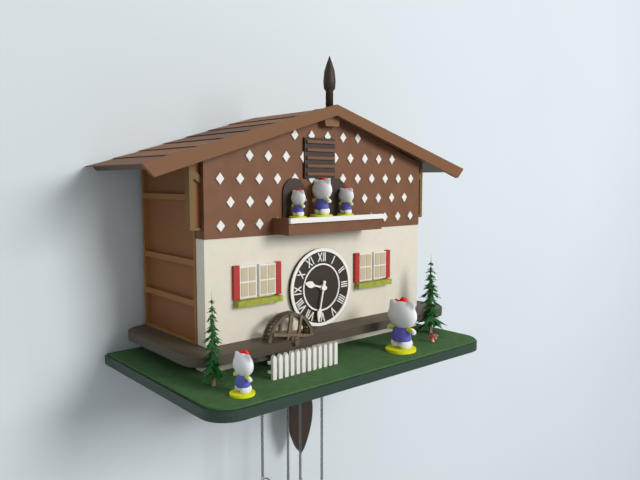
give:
9.32
